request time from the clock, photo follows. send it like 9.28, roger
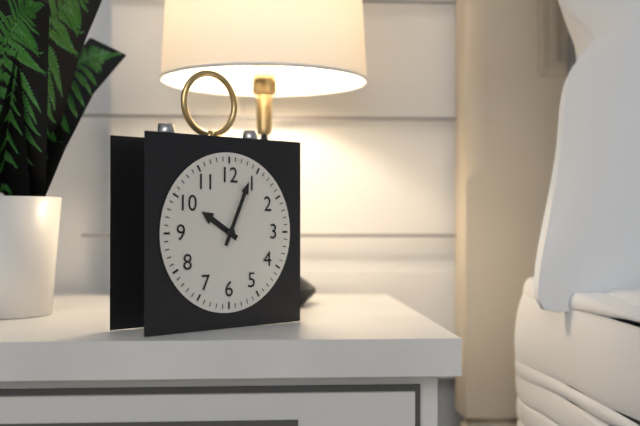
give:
10.04
